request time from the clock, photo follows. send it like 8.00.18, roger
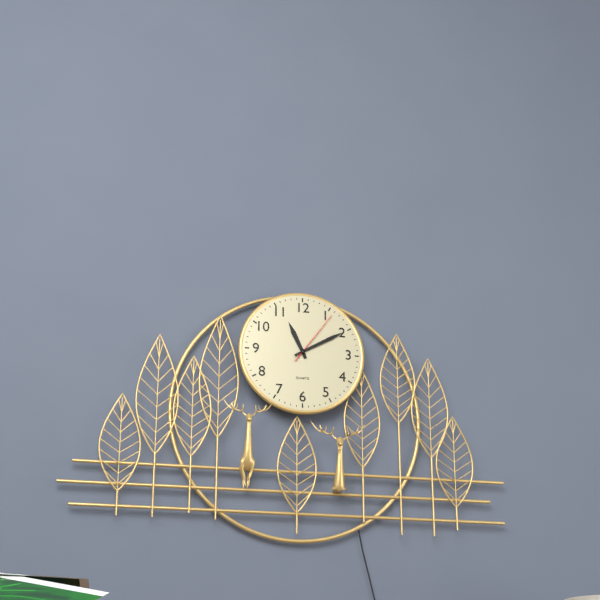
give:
11.10.06
